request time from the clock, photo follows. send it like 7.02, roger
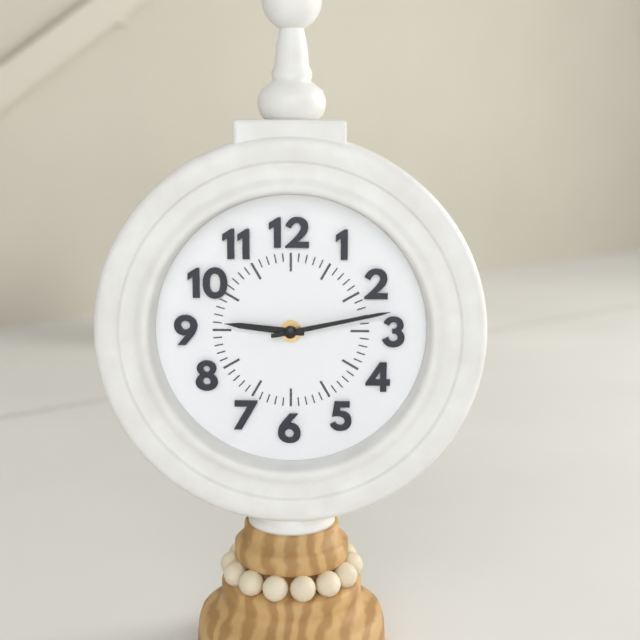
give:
9.13
